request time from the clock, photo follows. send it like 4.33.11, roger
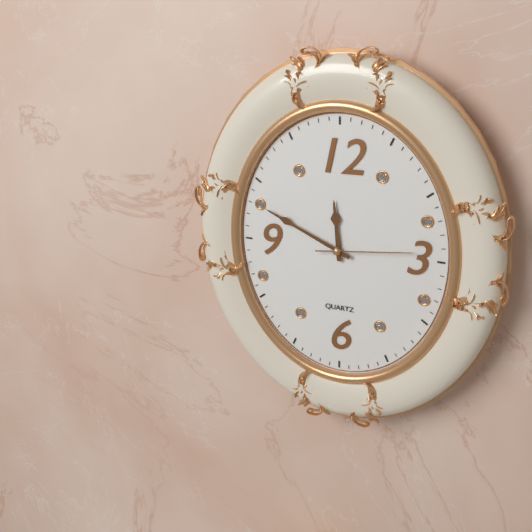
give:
11.49.14
